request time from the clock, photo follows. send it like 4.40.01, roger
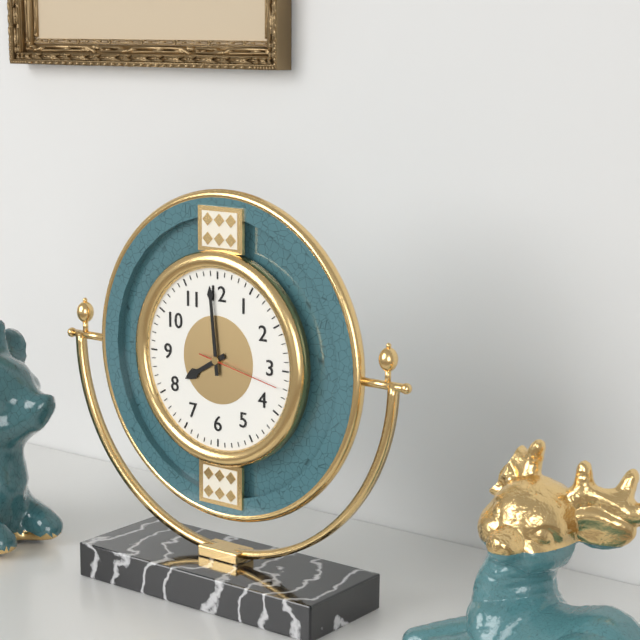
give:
7.59.17
